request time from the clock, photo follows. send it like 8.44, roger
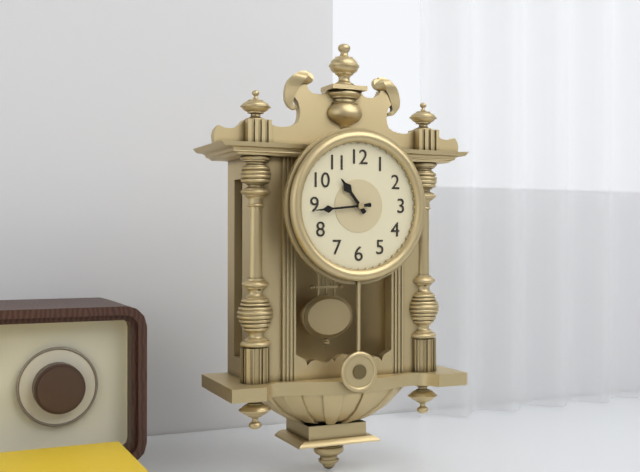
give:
10.44
